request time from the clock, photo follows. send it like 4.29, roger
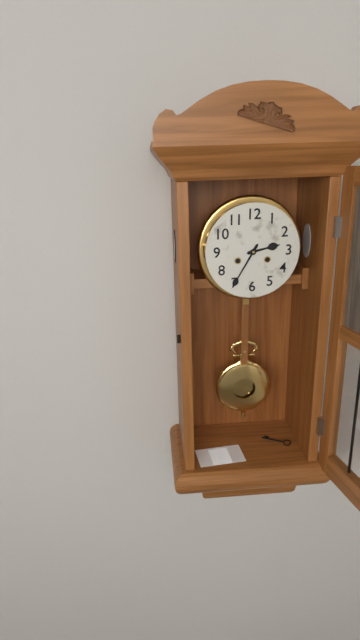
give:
2.35
